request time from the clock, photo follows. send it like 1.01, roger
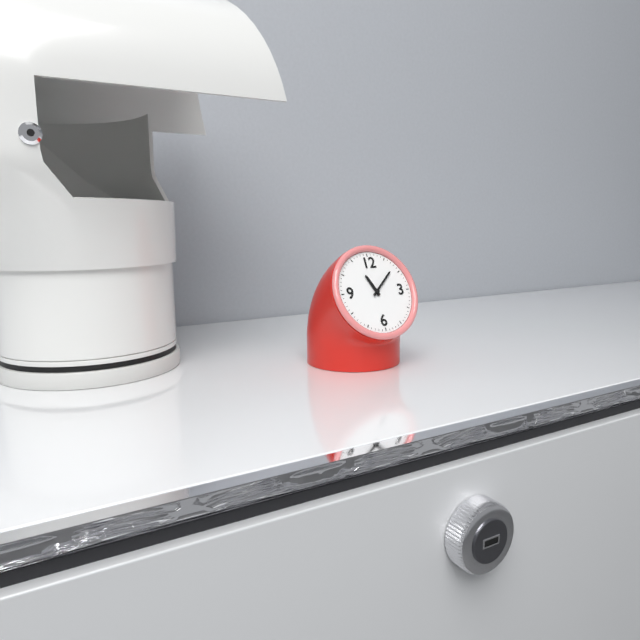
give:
11.08
